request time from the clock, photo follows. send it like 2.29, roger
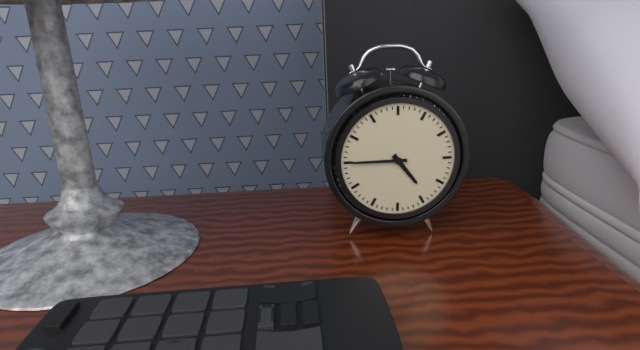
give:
4.45
